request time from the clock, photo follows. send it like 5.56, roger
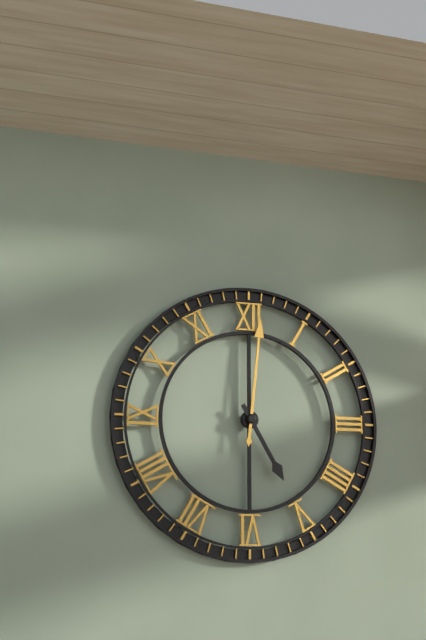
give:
5.01
